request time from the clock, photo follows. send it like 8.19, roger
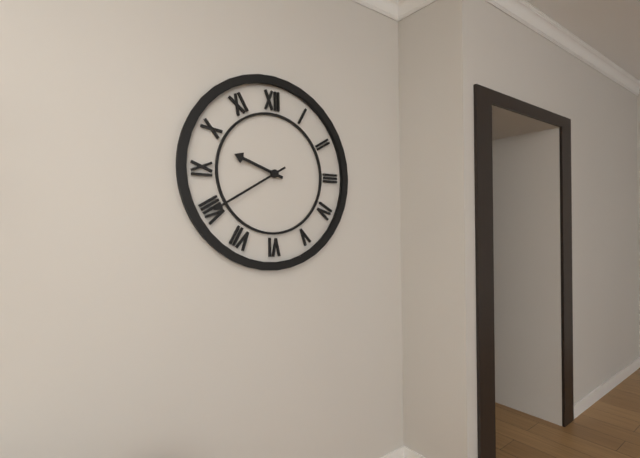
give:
9.40
